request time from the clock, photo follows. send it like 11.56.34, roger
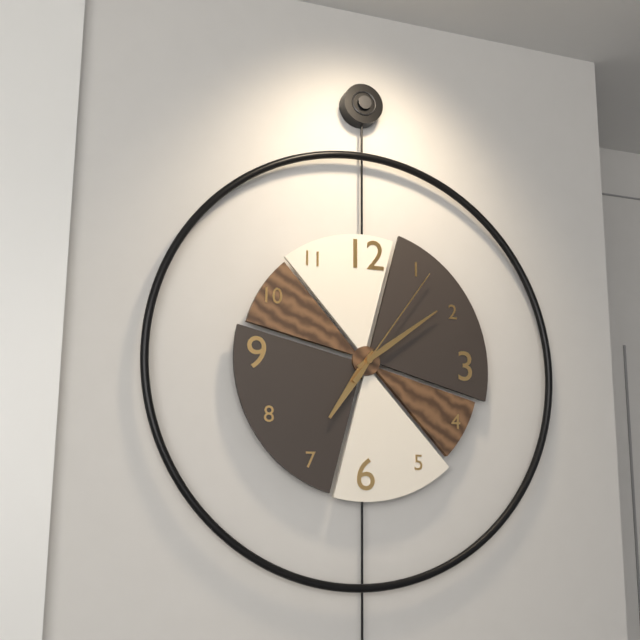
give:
7.09.06
